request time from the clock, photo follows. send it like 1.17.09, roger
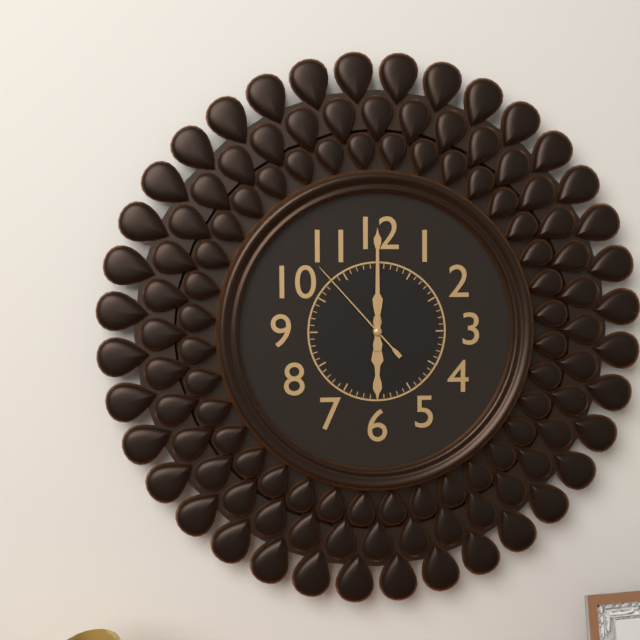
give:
6.00.53
